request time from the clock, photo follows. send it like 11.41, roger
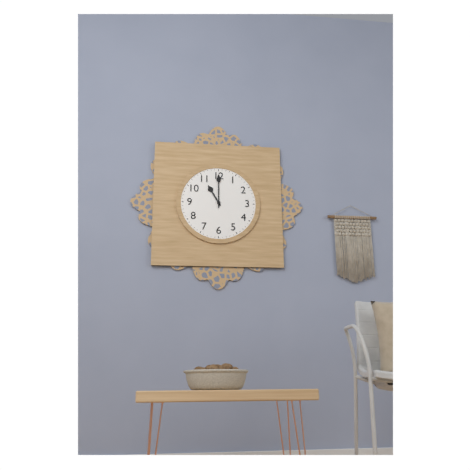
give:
11.00
